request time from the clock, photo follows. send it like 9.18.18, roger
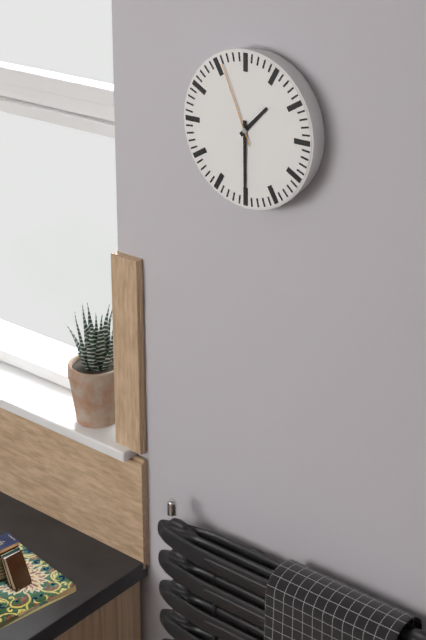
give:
1.30.56
